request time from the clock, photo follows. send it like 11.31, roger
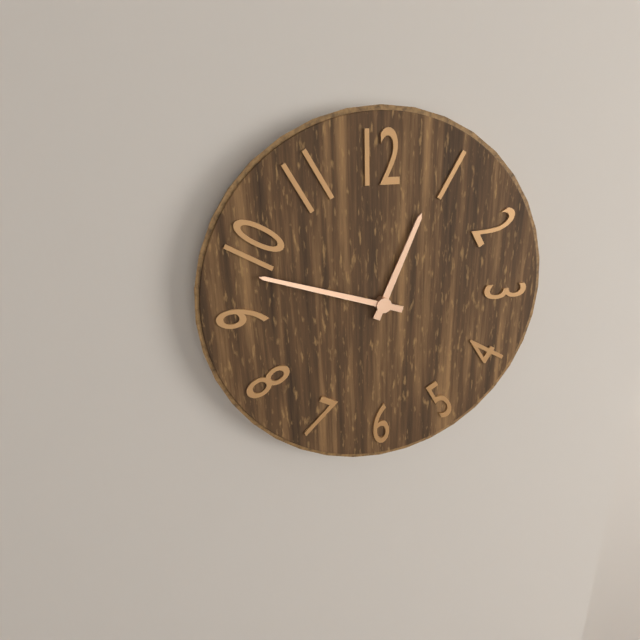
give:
12.48
